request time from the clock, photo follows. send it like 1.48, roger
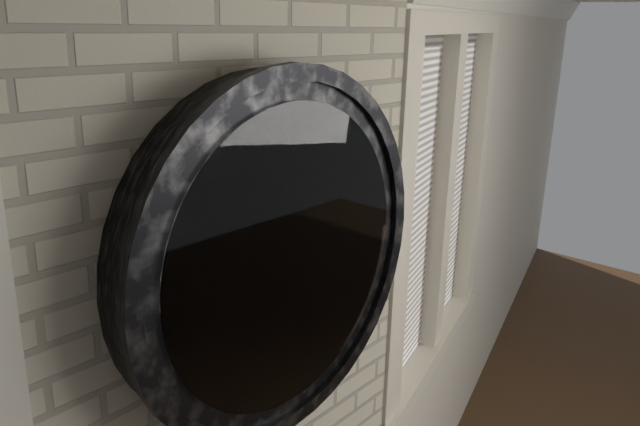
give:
11.47
